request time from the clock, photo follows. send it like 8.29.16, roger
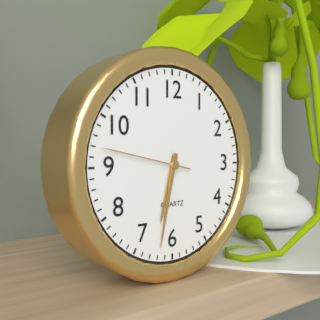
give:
6.32.47
